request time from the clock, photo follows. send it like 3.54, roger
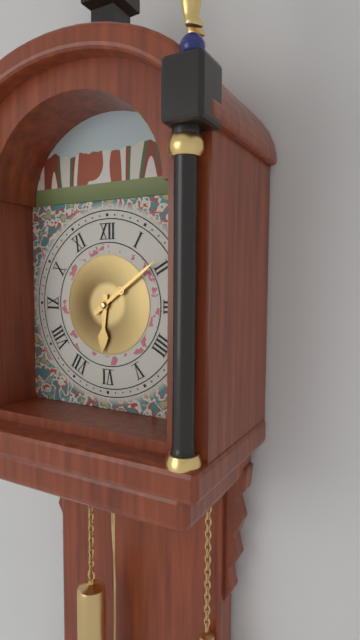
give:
6.09
